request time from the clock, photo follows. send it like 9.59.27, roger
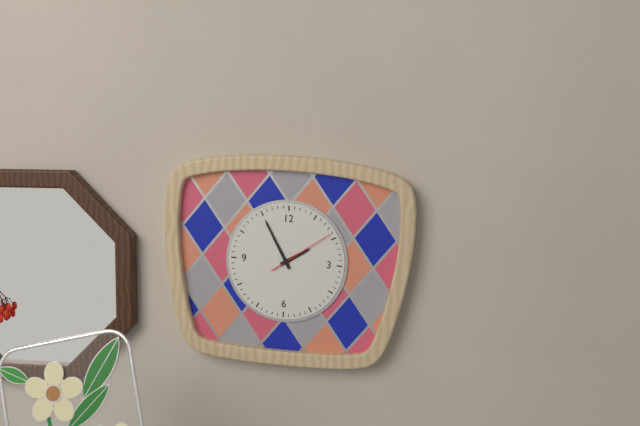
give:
1.55.09
